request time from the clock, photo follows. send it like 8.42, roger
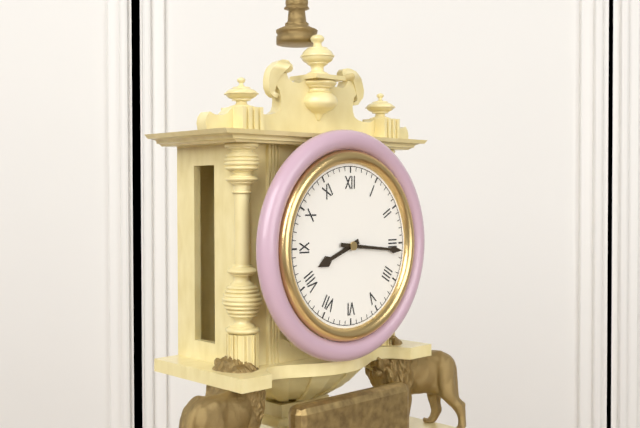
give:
8.16
